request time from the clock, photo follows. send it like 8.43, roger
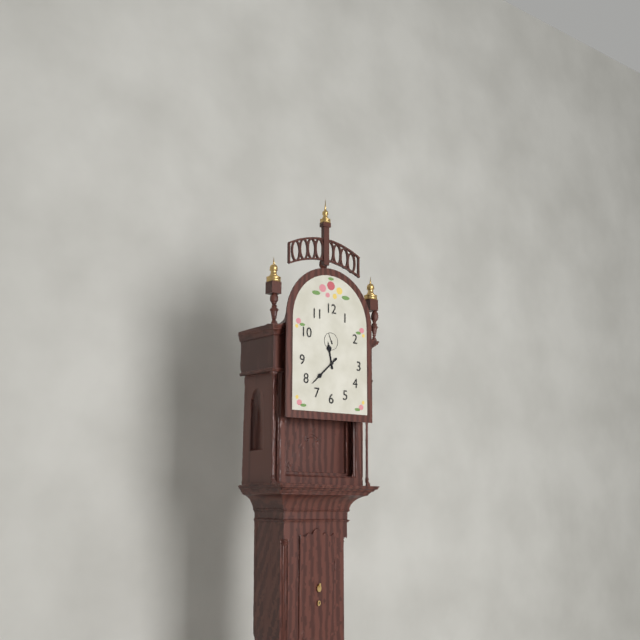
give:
11.38
